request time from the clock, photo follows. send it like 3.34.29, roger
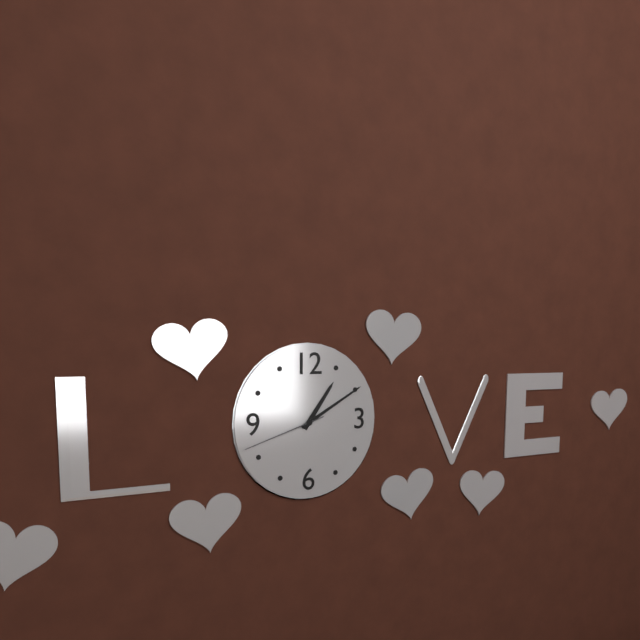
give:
1.10.42
